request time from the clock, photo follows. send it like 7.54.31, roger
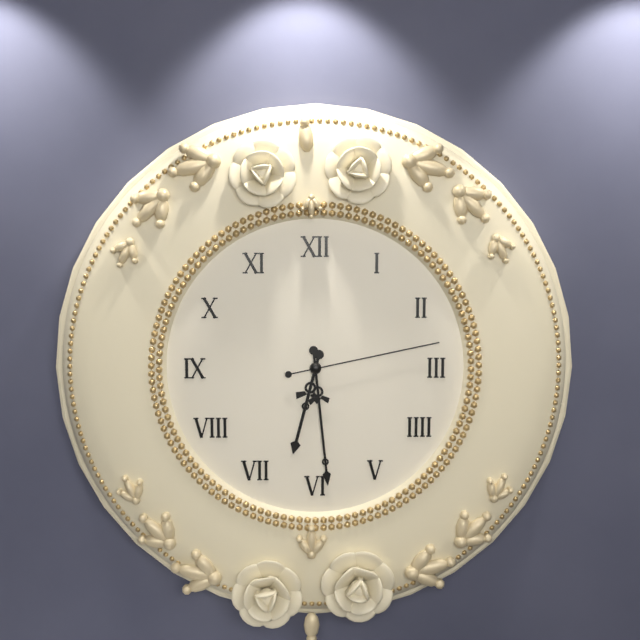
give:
6.29.13
